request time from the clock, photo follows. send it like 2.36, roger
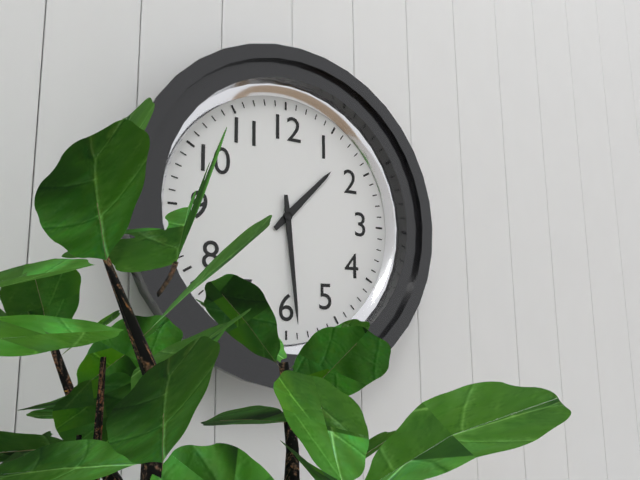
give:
1.29
